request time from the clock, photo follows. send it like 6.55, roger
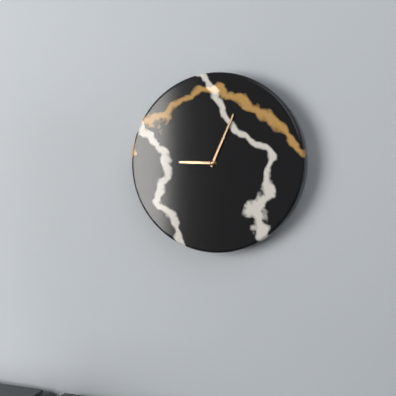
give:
9.04
